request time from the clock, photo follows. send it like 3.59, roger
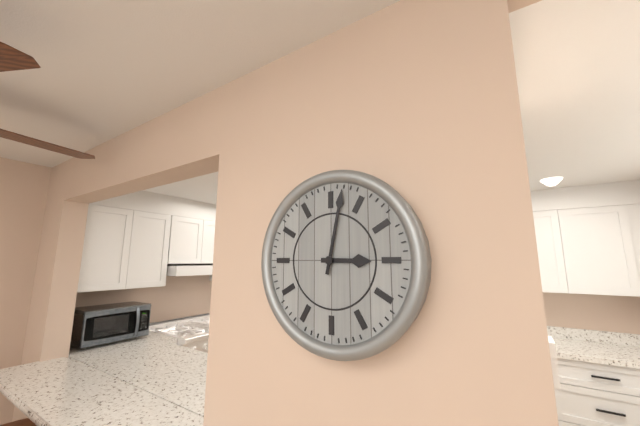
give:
3.02
